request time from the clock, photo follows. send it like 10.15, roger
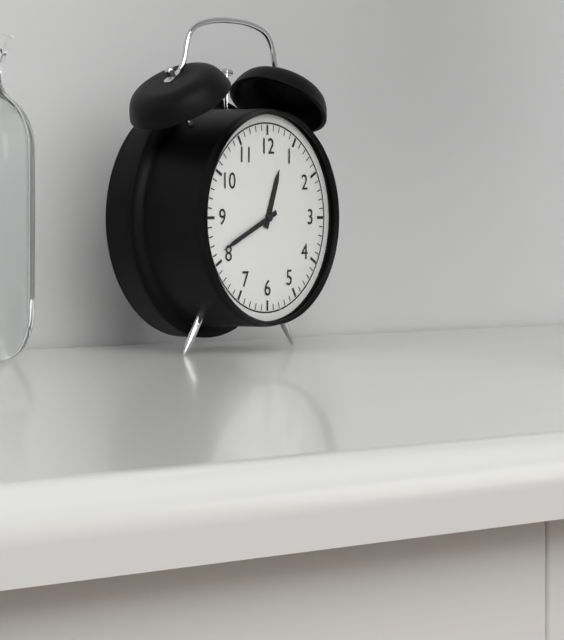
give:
12.41
